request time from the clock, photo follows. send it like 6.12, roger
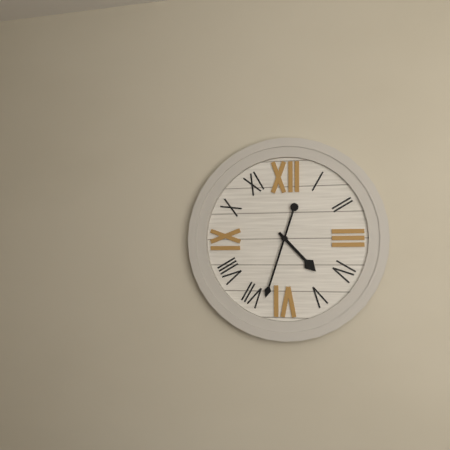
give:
4.33
